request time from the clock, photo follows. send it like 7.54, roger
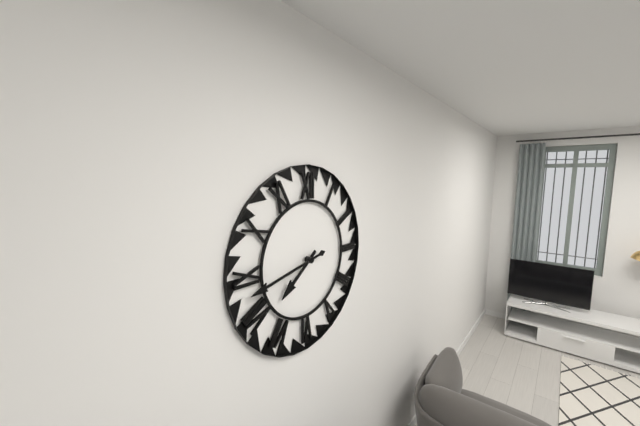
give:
7.43
